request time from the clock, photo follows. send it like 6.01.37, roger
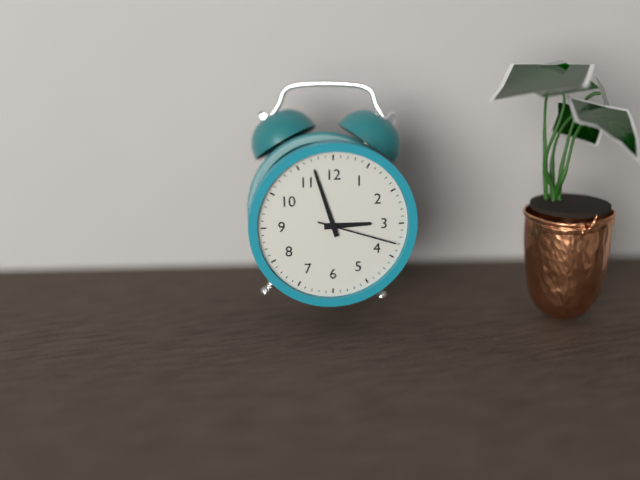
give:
2.57.18
